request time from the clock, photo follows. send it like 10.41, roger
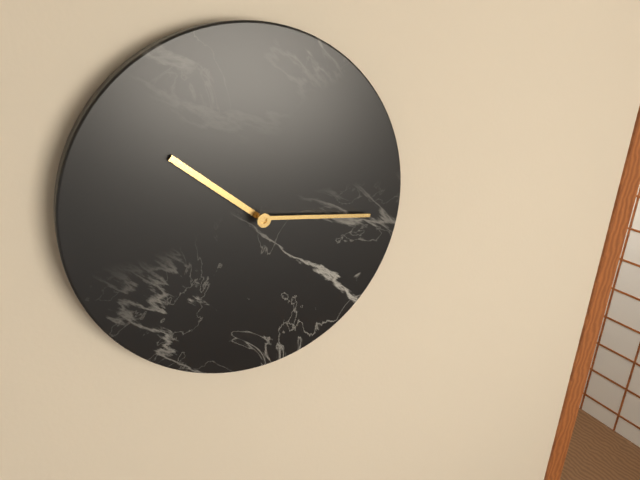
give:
10.16
